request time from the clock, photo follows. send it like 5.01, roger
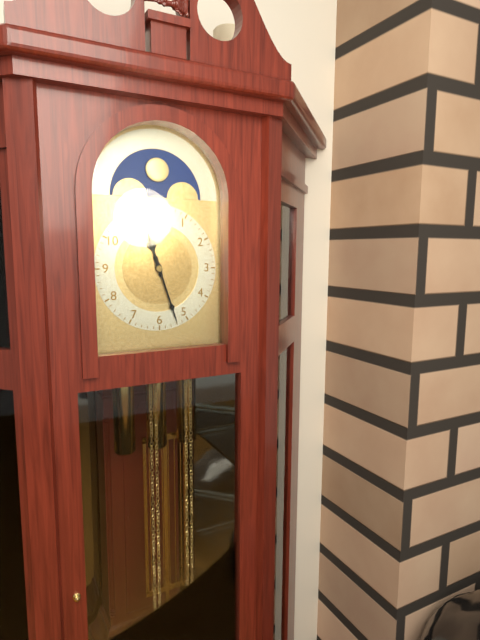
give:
11.27
